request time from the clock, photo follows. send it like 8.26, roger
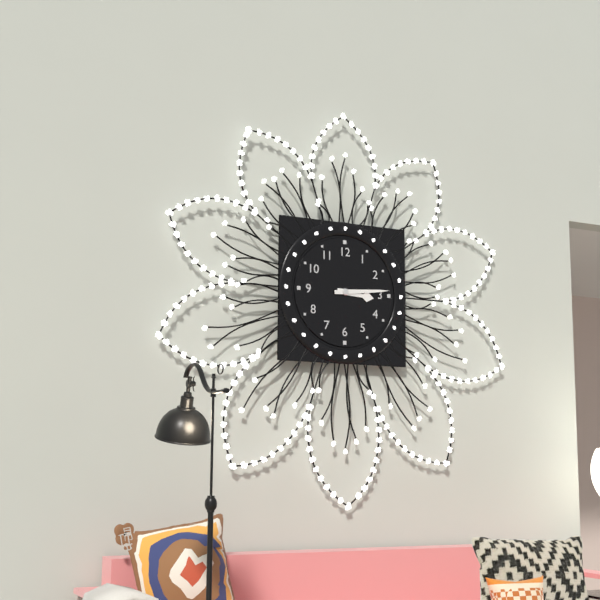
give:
3.14
